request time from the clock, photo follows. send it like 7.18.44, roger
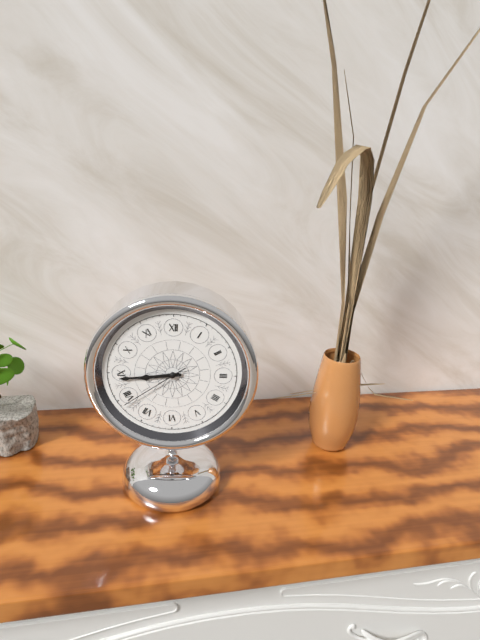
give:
8.44.39
